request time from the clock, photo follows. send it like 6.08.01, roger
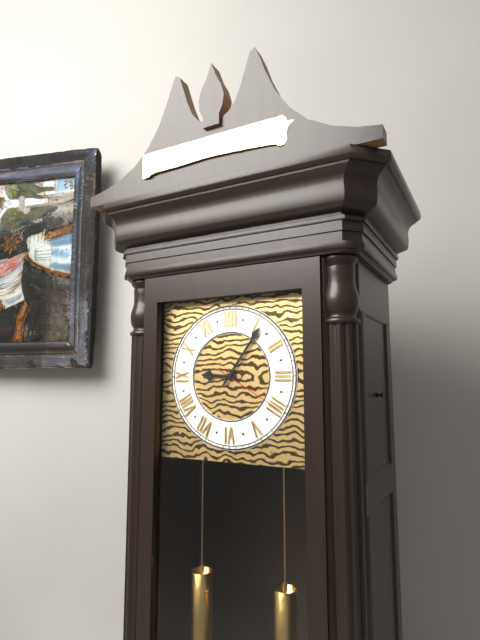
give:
9.06.20
